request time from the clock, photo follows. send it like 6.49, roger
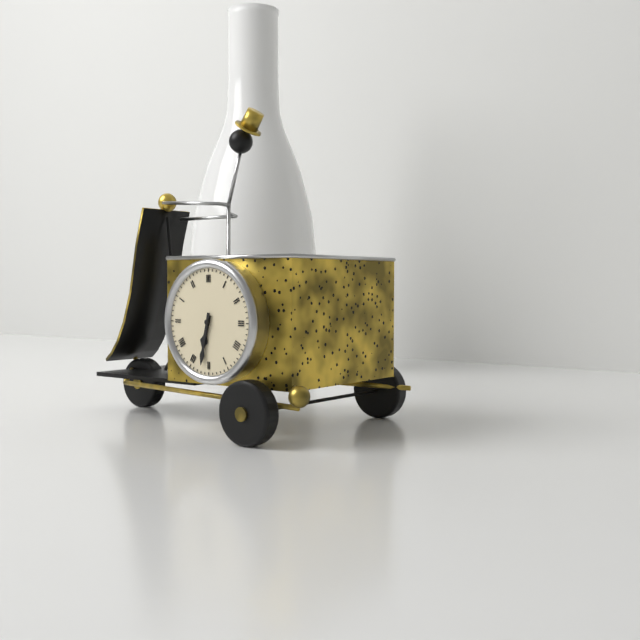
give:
6.32
